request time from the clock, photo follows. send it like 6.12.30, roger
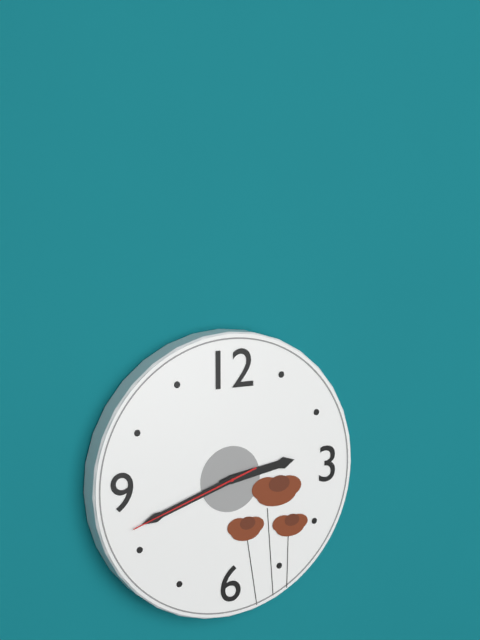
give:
2.42.42
